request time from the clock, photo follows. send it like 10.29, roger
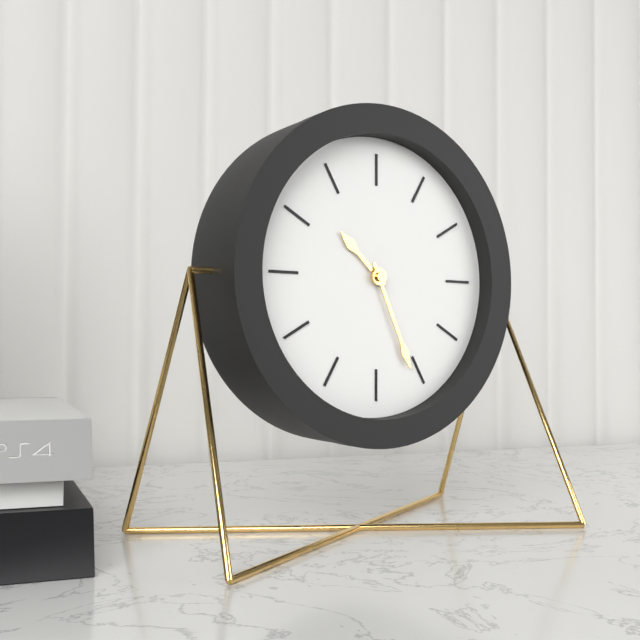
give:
10.26
